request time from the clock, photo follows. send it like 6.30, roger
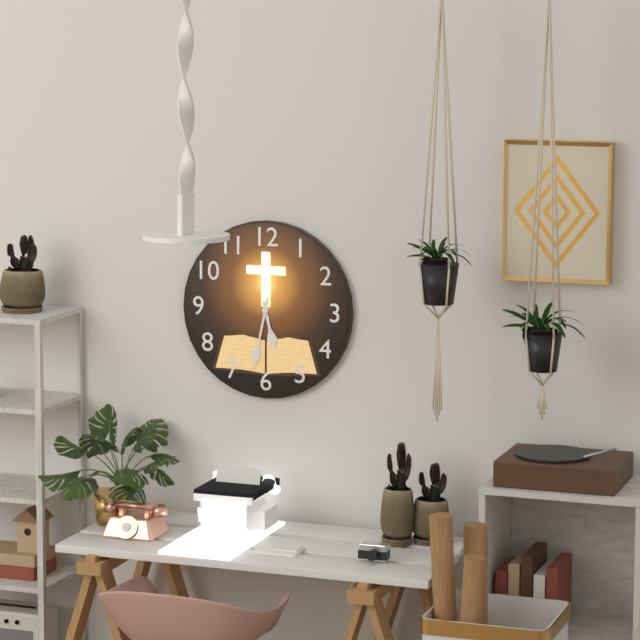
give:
5.32
